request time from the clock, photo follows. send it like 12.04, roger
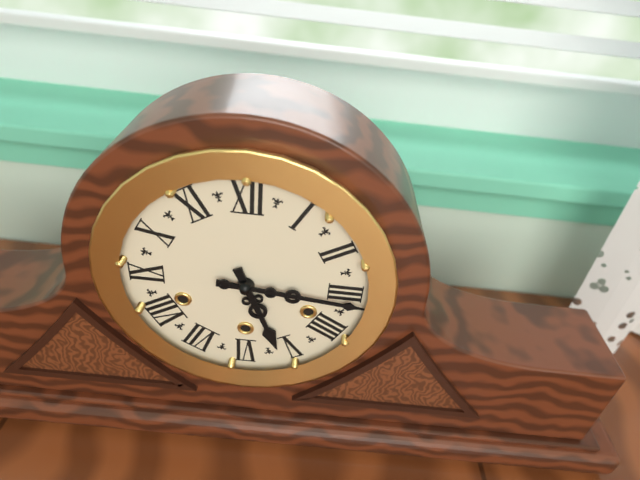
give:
5.16
